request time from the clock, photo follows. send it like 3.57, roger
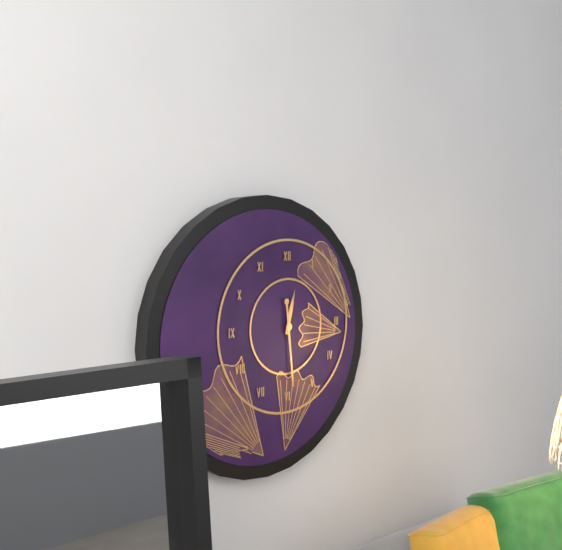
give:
12.29
